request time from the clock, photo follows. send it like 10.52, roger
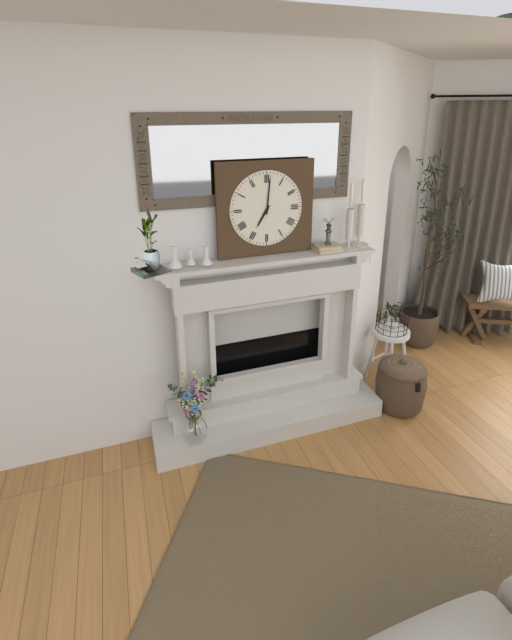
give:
7.01
